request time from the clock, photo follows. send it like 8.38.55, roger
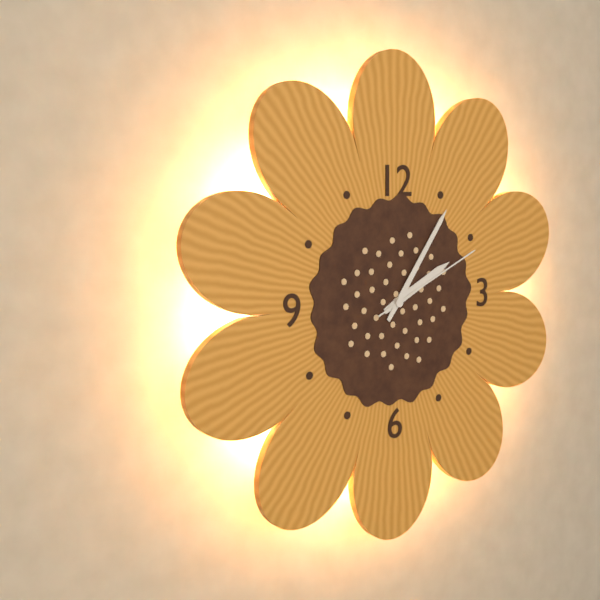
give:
2.06.11
